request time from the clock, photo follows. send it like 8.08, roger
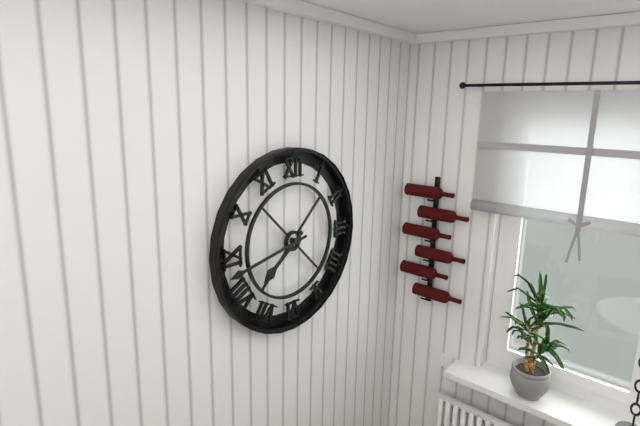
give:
7.43
